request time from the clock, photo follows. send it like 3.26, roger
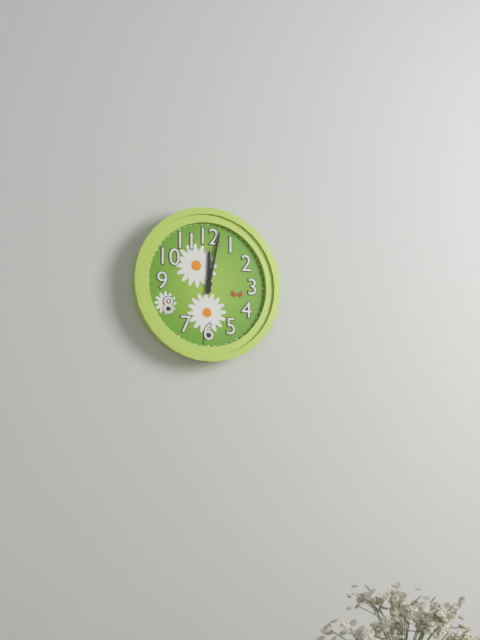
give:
12.02
